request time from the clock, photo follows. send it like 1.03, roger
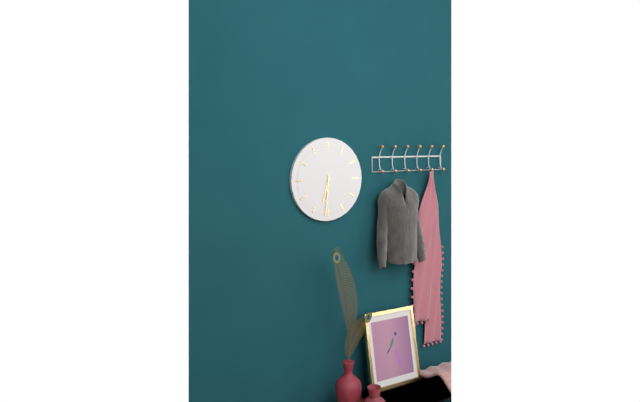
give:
6.31
